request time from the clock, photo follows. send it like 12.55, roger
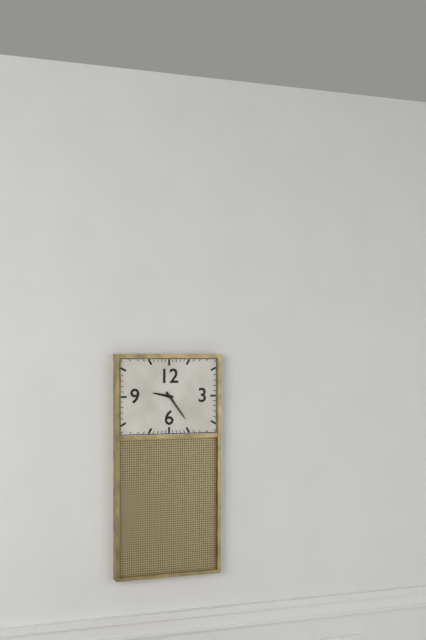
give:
9.24
